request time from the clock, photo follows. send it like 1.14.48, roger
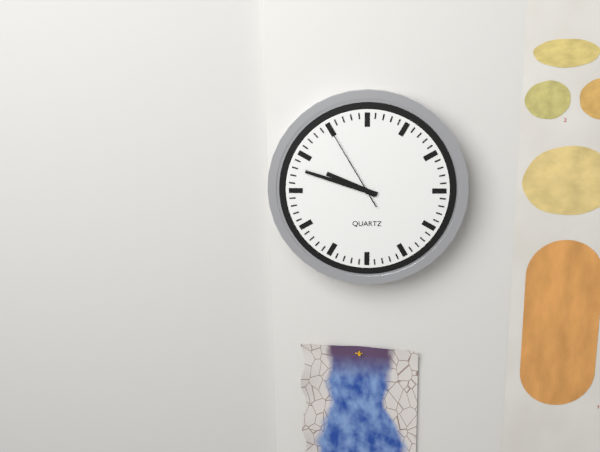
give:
9.48.55
